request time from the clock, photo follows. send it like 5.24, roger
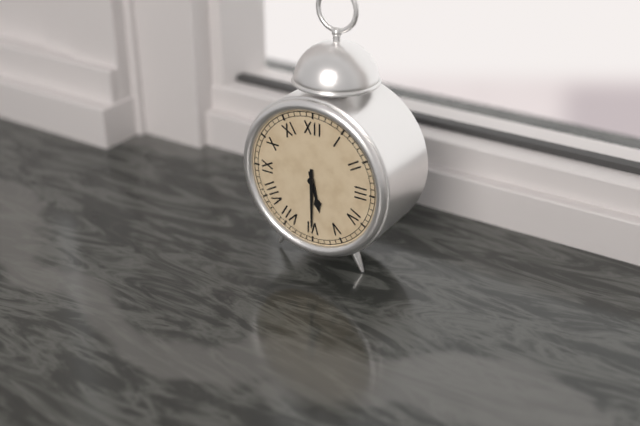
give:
5.30
